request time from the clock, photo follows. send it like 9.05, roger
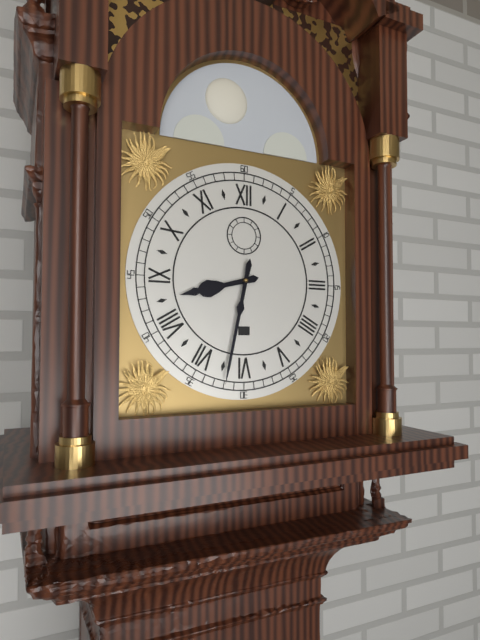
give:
8.32
